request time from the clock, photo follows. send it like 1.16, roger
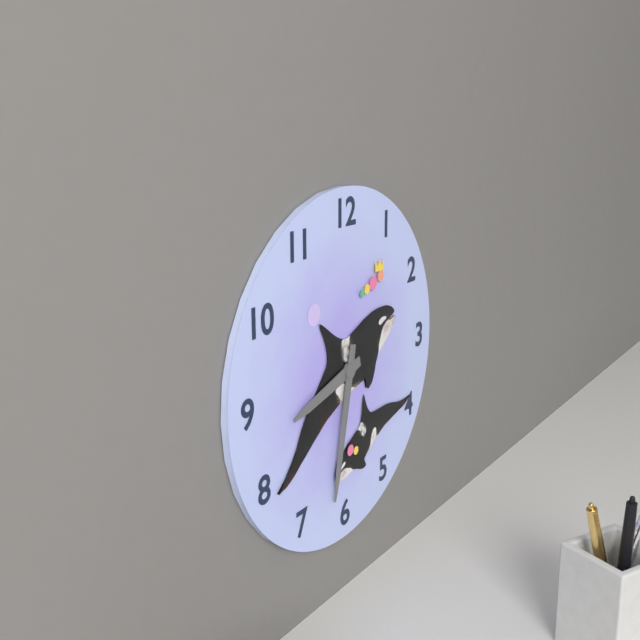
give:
8.32
